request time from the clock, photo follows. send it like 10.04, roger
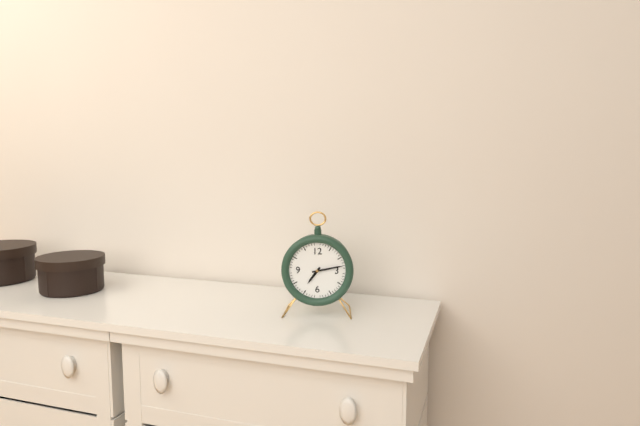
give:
7.13
